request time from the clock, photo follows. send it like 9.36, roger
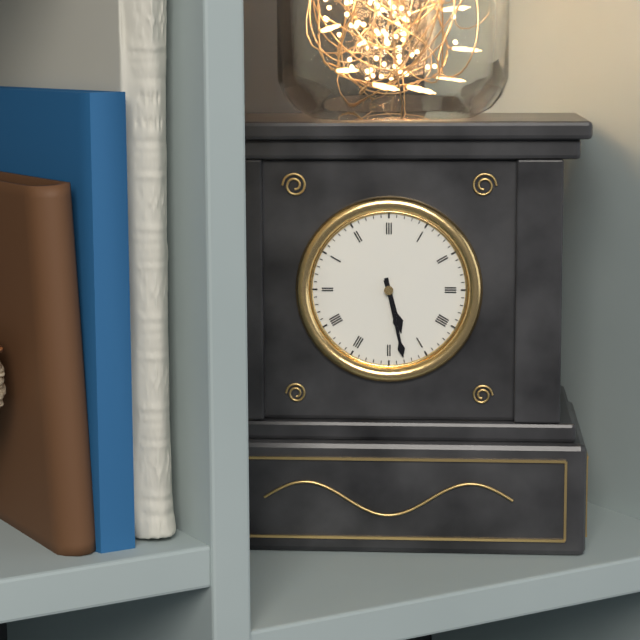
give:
5.28
